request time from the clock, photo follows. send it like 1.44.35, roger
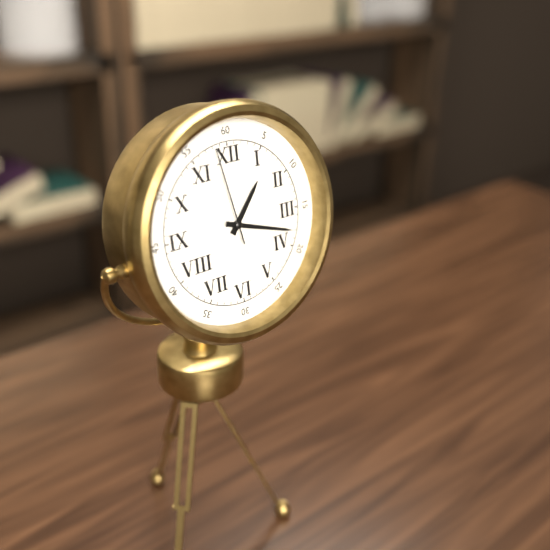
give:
1.18.58
